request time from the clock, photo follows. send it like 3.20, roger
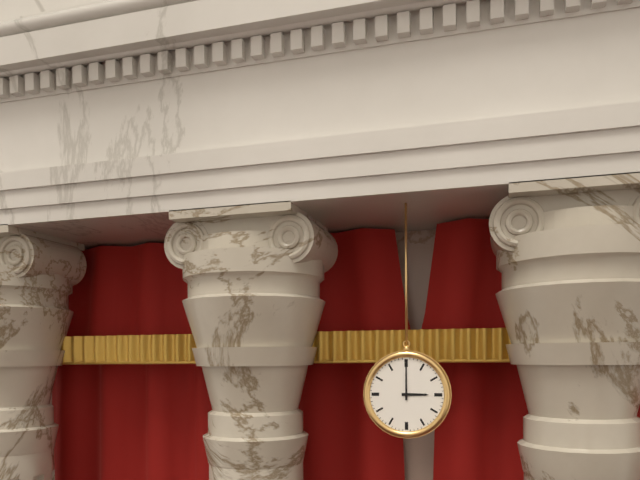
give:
3.00
